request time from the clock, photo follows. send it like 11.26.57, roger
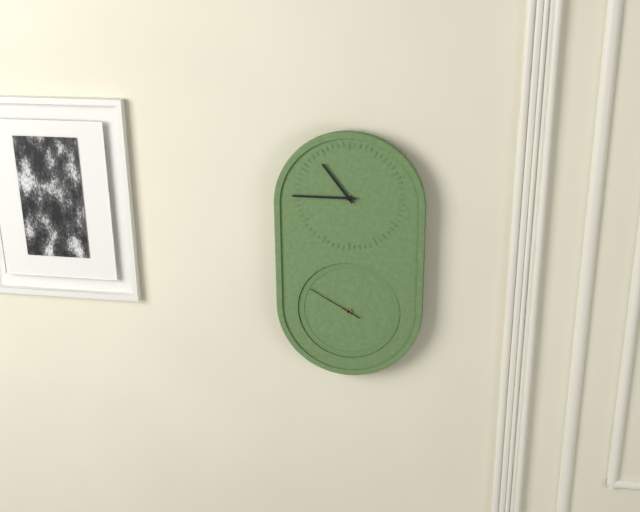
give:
10.45.50
